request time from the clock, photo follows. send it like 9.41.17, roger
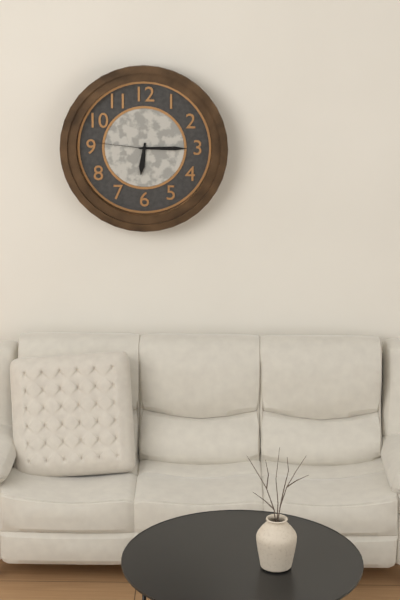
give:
6.15.46
